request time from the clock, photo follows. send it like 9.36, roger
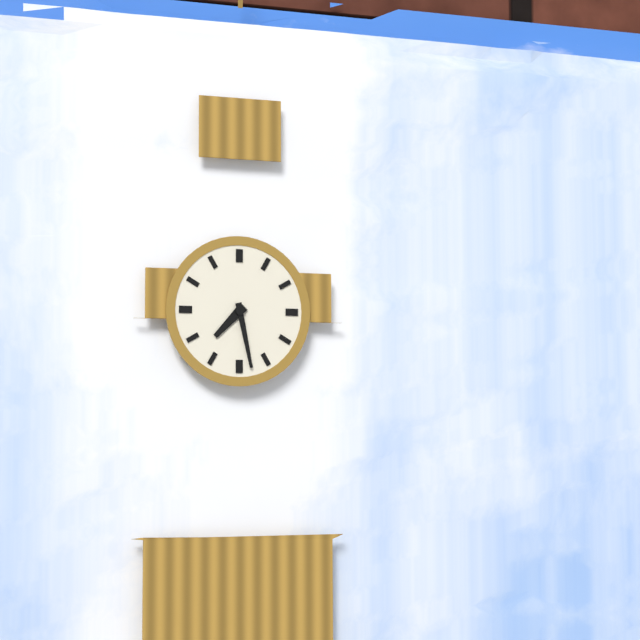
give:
7.28
